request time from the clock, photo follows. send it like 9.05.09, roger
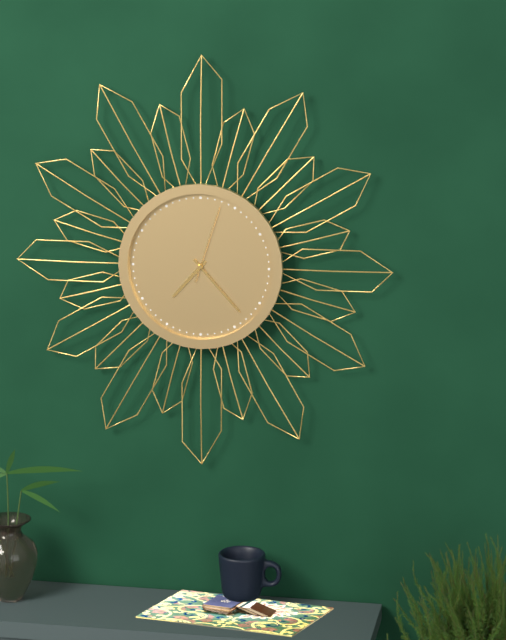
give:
7.23.03
